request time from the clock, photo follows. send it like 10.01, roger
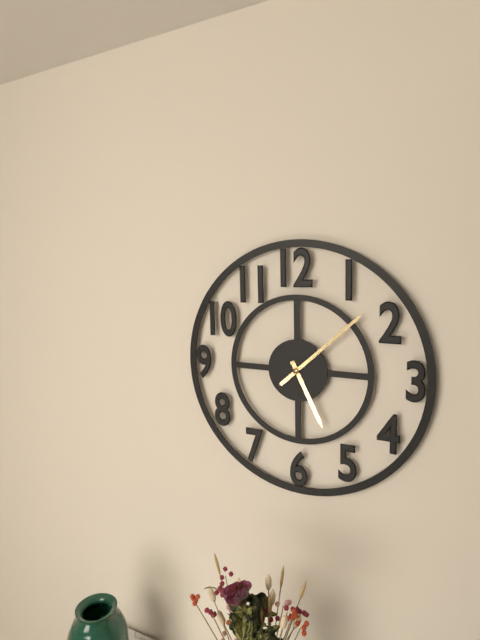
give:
5.08
